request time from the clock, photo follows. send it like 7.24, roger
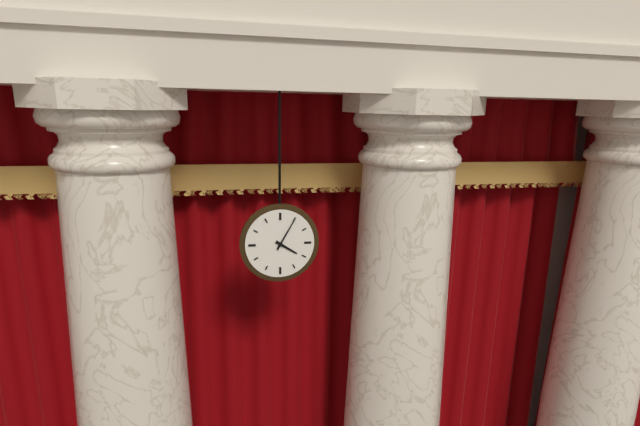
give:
4.05
